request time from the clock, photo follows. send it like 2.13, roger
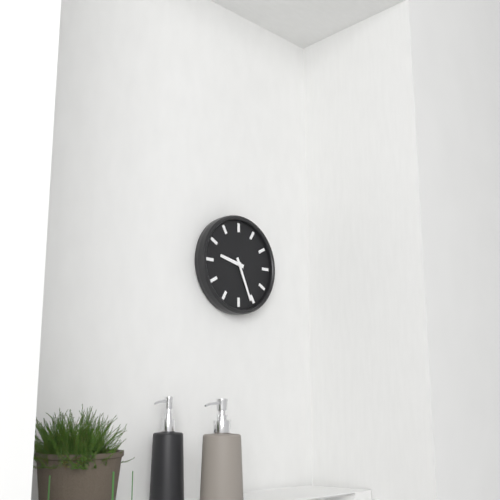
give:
9.26
